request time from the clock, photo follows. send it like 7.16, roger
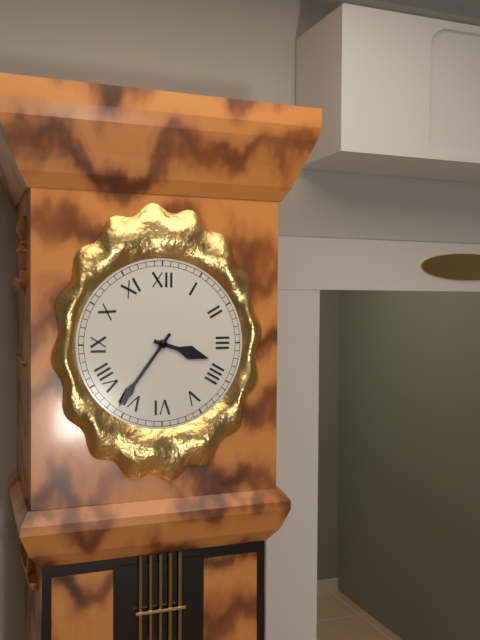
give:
3.36
